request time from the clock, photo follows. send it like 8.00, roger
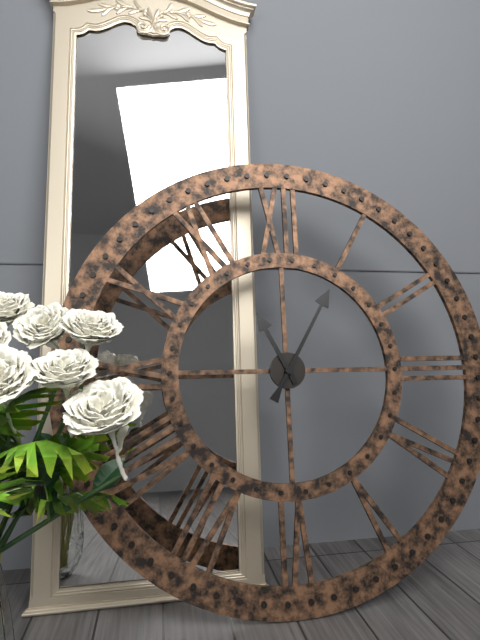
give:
11.05
